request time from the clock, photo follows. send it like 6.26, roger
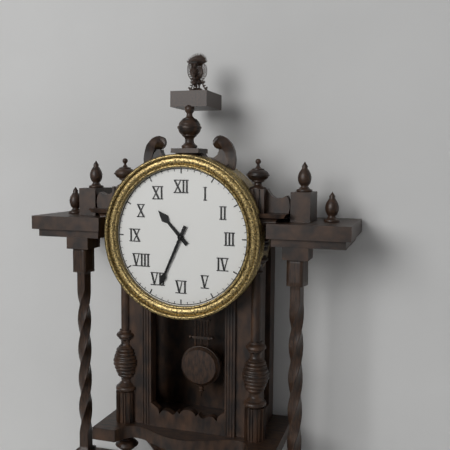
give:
10.34
